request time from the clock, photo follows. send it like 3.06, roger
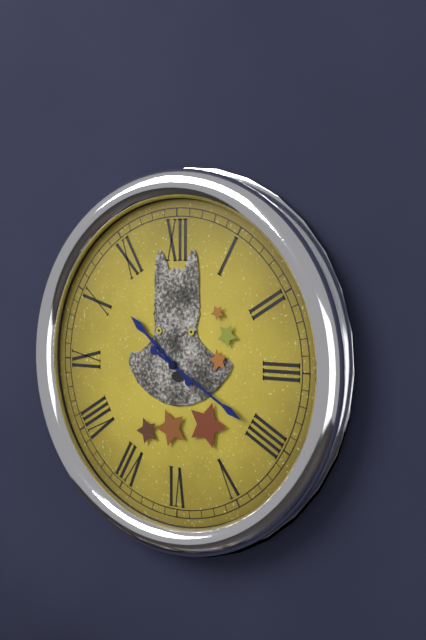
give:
10.20
